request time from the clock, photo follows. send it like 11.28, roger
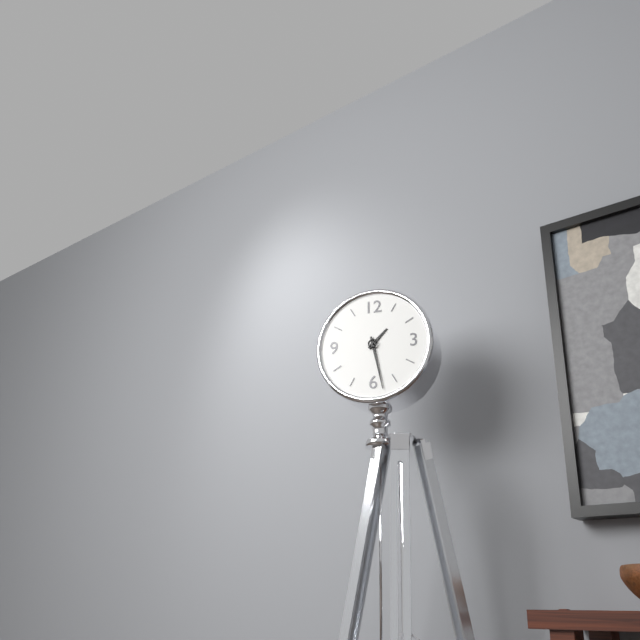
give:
1.28
